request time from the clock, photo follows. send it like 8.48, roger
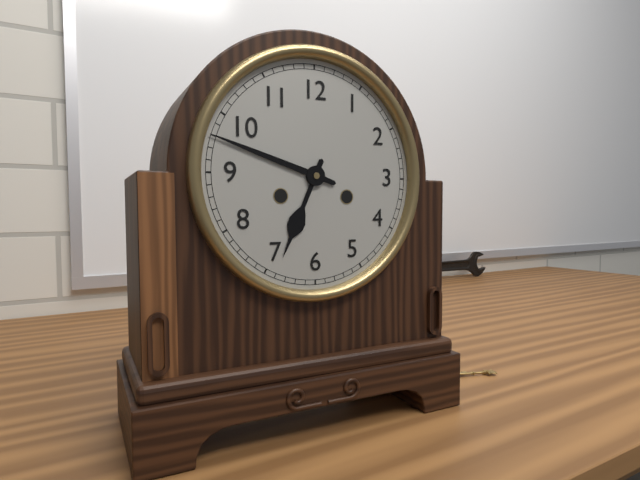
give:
6.48
